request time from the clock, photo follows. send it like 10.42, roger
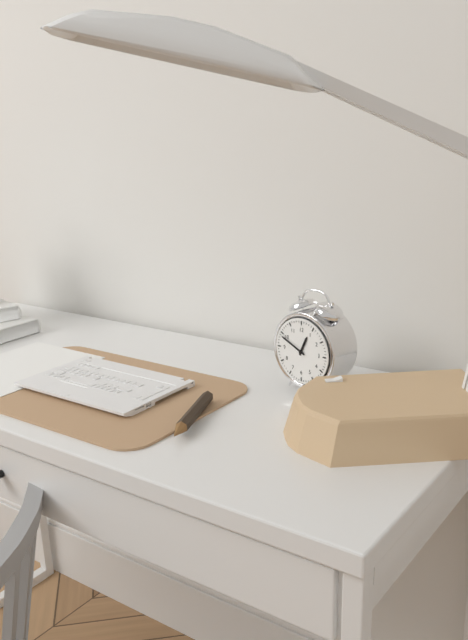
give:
12.49
